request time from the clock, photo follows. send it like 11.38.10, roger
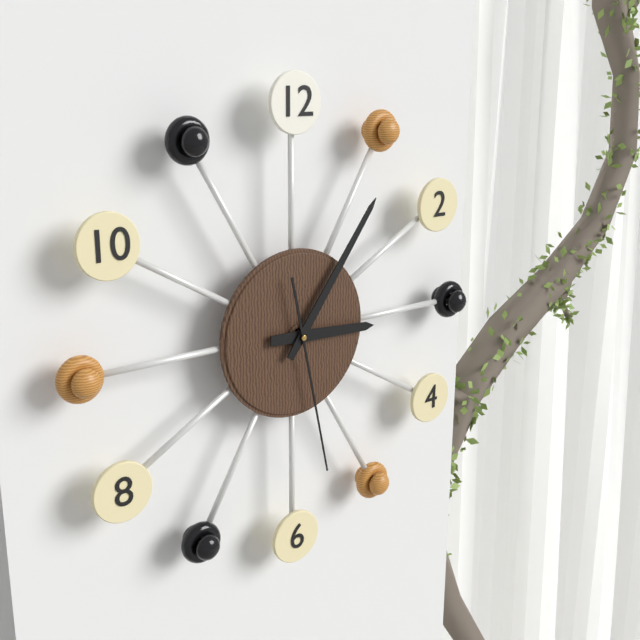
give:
3.06.28
